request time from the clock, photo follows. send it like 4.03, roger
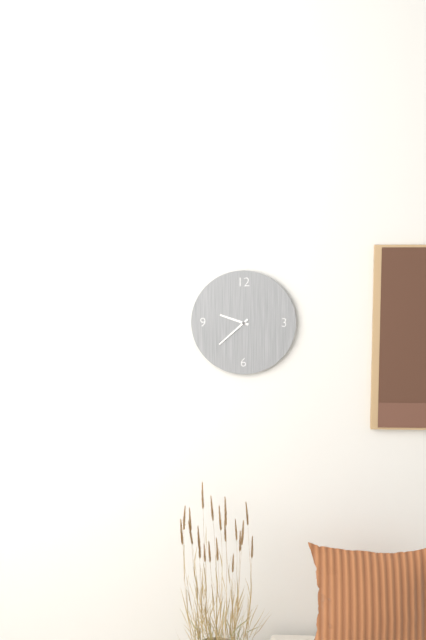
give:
9.38
